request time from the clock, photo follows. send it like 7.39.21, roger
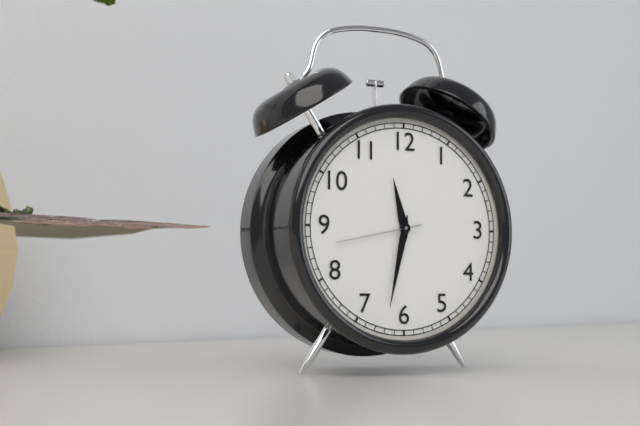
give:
11.32.43
